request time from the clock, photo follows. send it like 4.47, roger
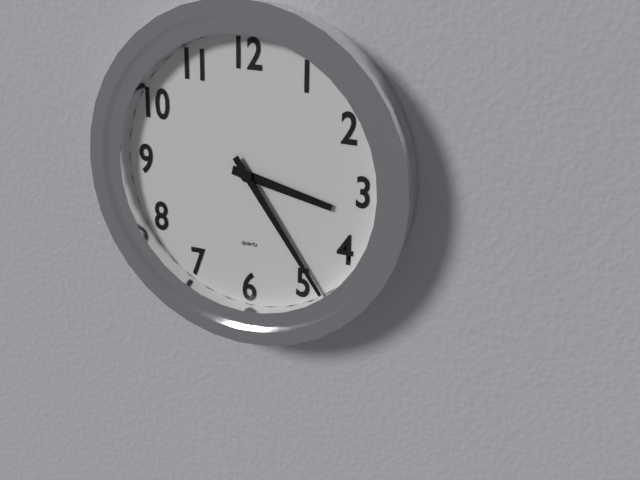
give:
3.24
